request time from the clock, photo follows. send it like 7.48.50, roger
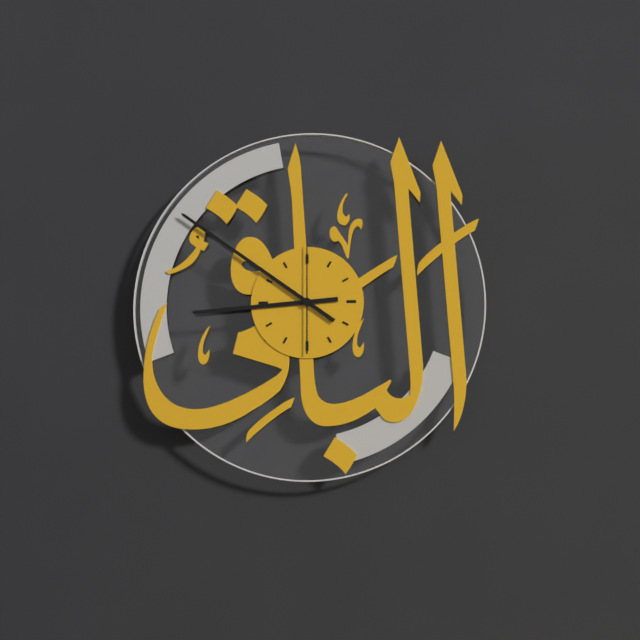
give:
8.51.00
